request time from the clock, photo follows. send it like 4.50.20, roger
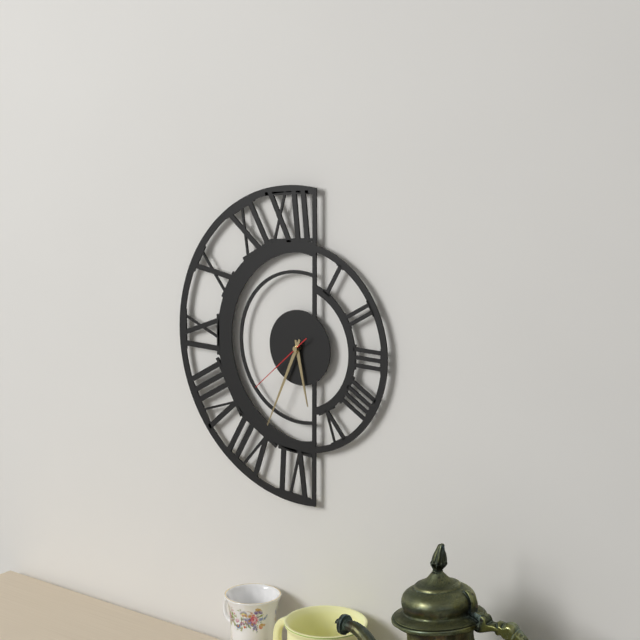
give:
5.34.38
